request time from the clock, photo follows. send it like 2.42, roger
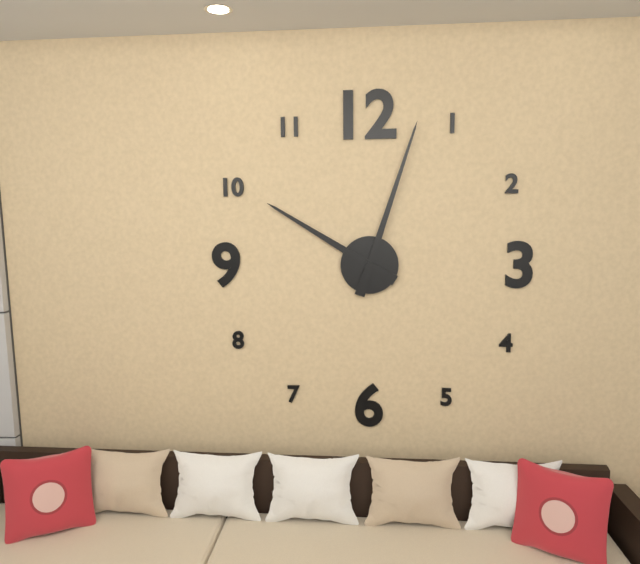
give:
10.03
